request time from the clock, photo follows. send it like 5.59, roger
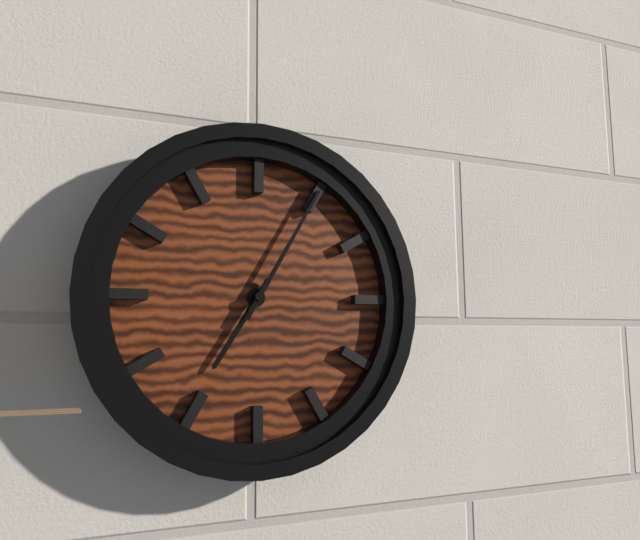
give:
7.05
